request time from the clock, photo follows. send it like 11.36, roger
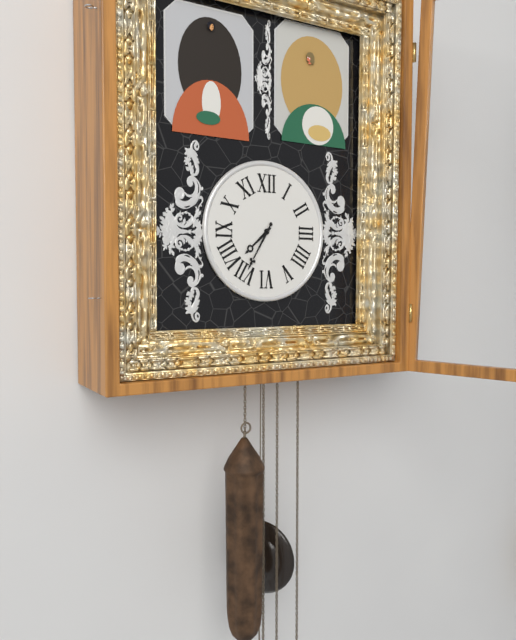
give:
7.35
